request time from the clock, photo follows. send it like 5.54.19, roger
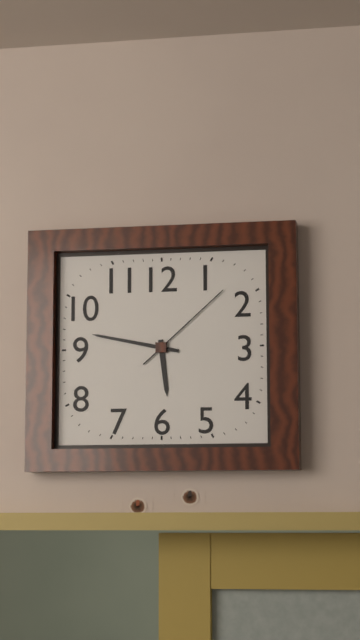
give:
5.47.08
